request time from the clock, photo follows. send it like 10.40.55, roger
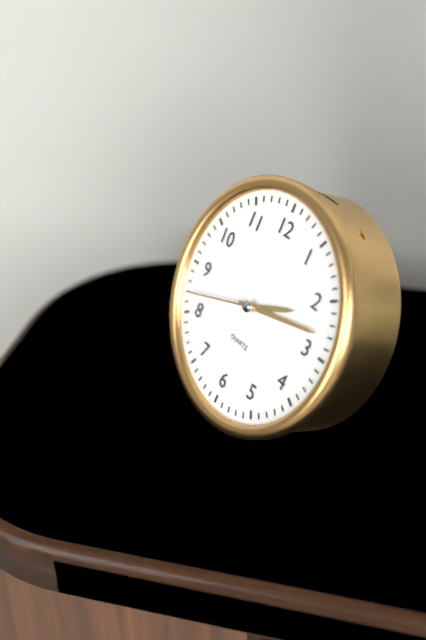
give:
2.13.42
